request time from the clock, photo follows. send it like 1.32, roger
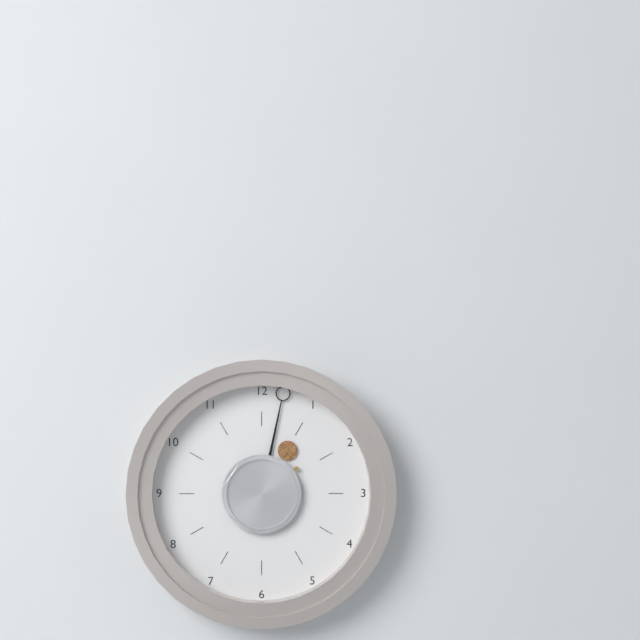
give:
1.02
